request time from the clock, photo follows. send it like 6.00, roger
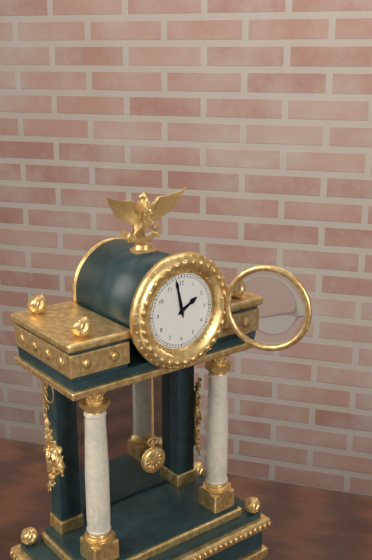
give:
1.58
